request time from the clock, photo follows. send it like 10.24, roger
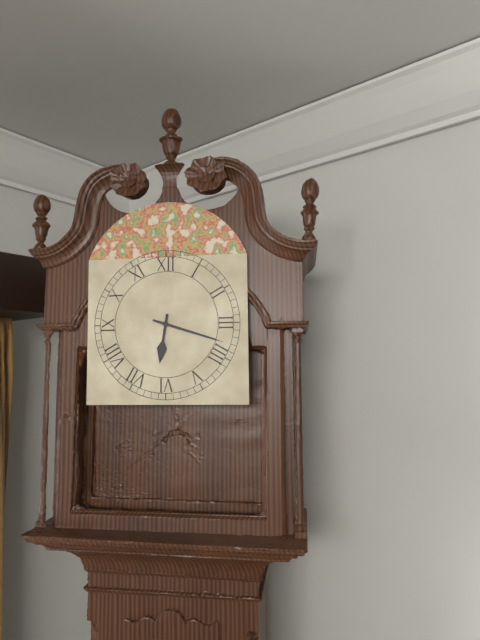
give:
6.18
